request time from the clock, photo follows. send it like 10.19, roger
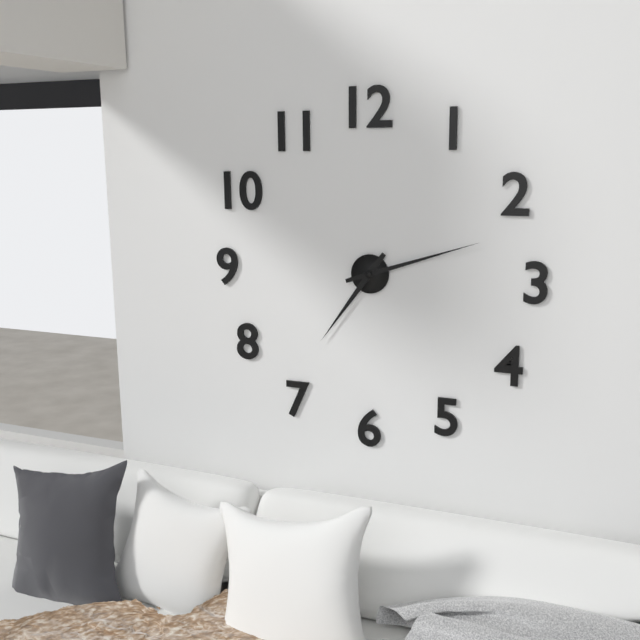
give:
7.12
